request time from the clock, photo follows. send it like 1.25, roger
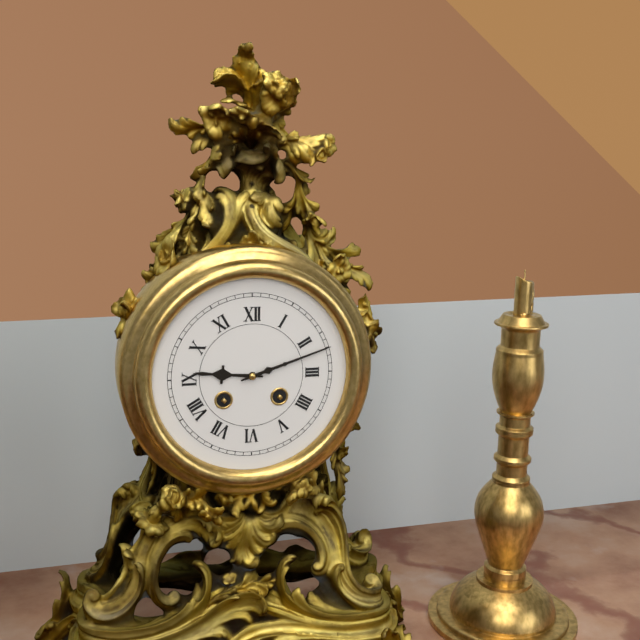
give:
9.12
